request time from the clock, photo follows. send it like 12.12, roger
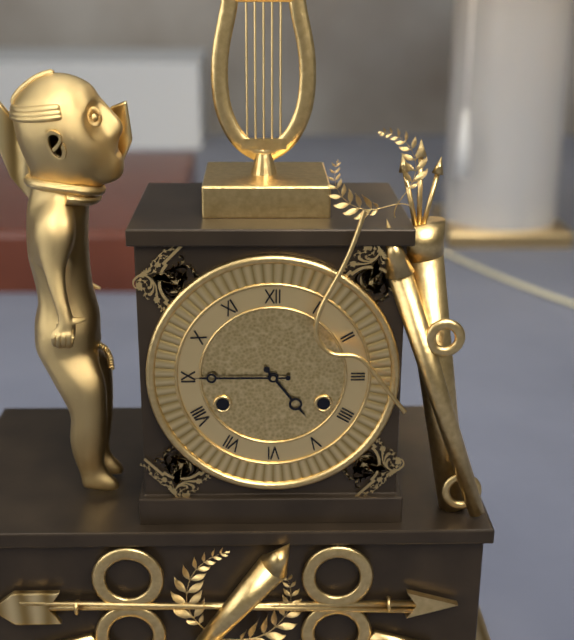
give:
4.45
